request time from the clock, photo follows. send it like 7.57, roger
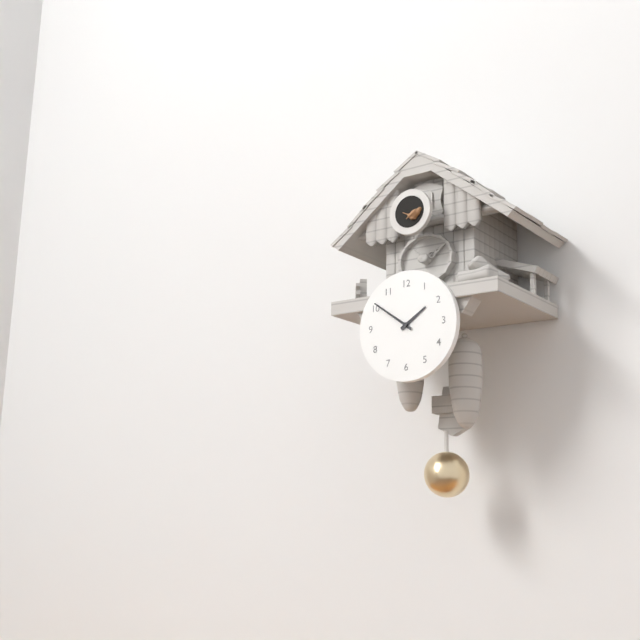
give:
1.51
